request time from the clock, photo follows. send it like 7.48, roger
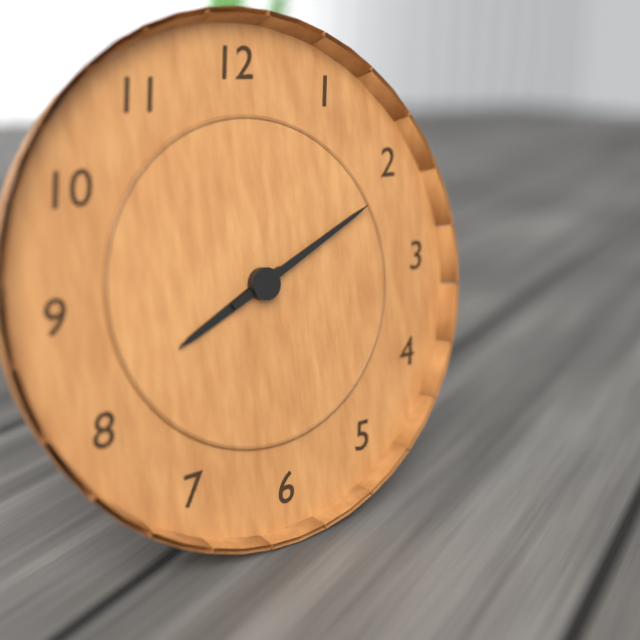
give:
8.11
